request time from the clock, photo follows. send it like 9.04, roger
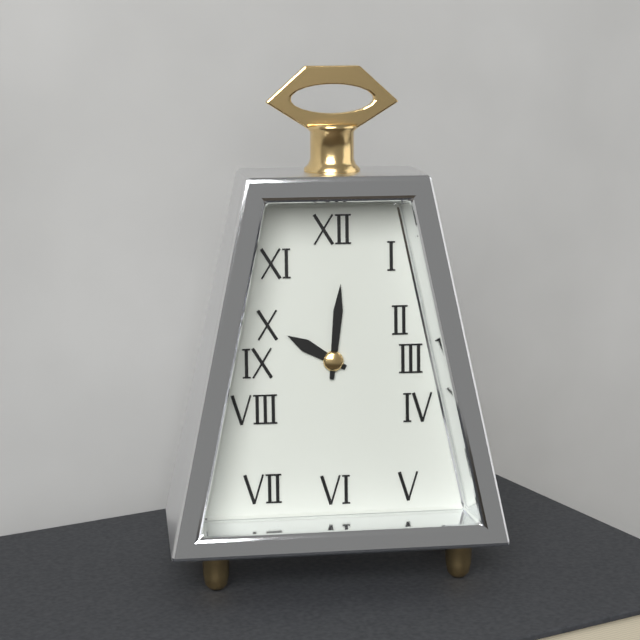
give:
10.01
